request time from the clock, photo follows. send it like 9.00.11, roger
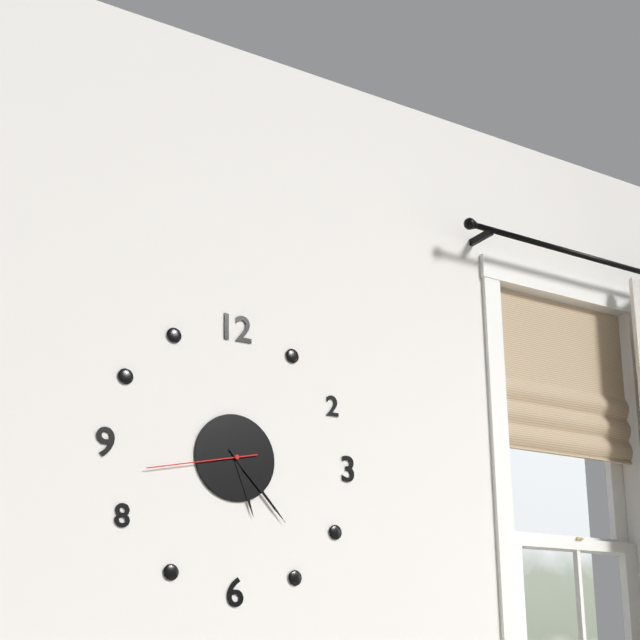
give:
5.23.43
